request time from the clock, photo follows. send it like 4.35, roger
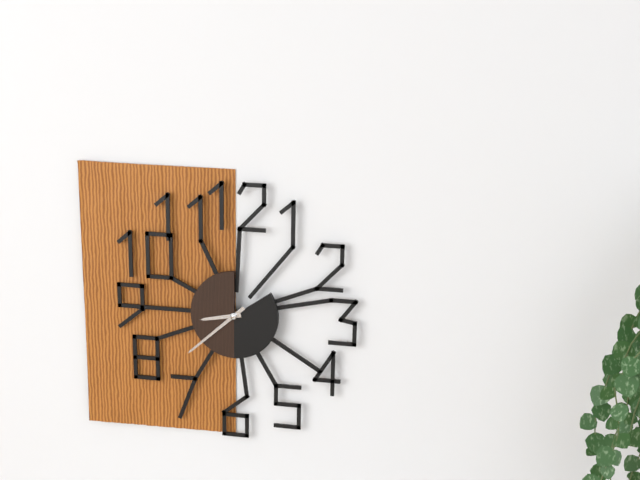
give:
8.38
